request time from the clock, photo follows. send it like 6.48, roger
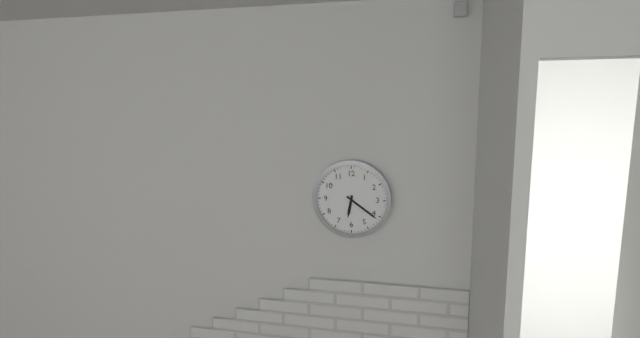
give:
6.21
